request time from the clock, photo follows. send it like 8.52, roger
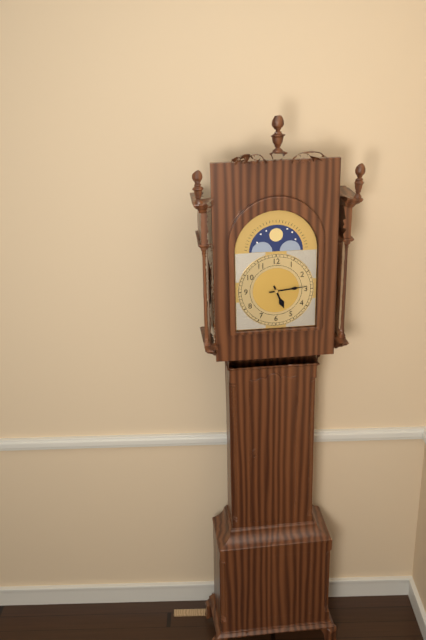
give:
5.14
